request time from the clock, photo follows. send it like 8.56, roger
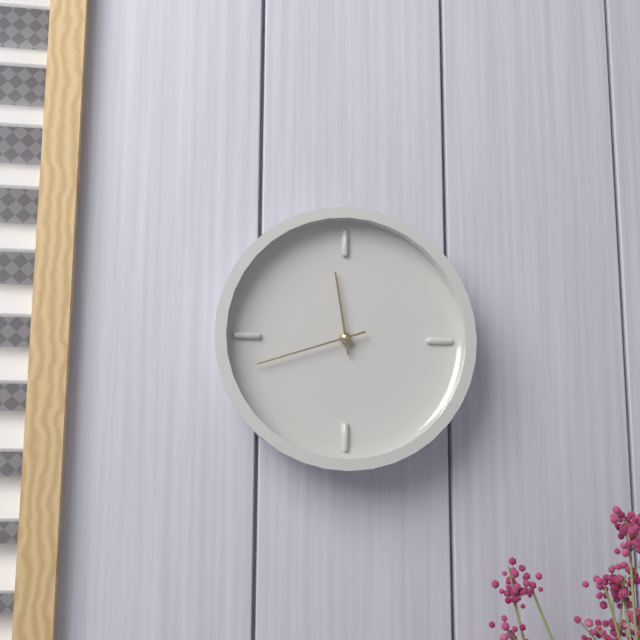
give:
11.42
